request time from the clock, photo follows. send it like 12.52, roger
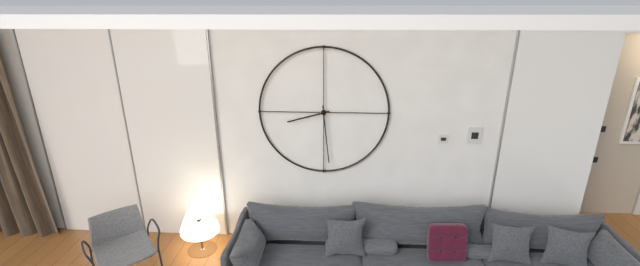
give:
8.29
